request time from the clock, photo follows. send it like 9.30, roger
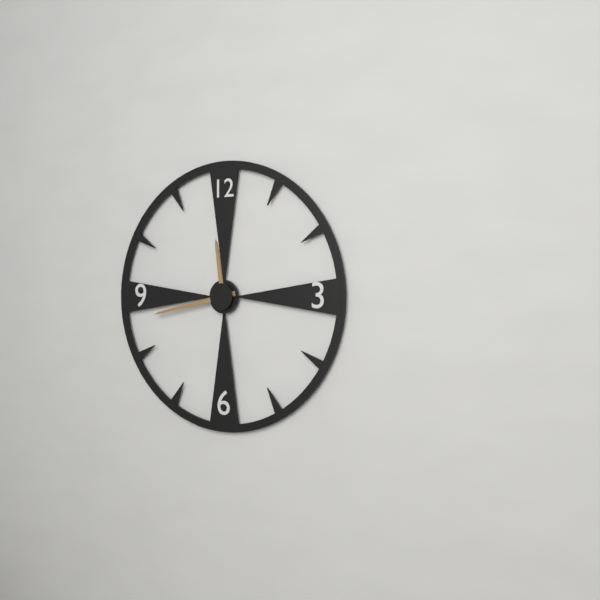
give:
11.43
